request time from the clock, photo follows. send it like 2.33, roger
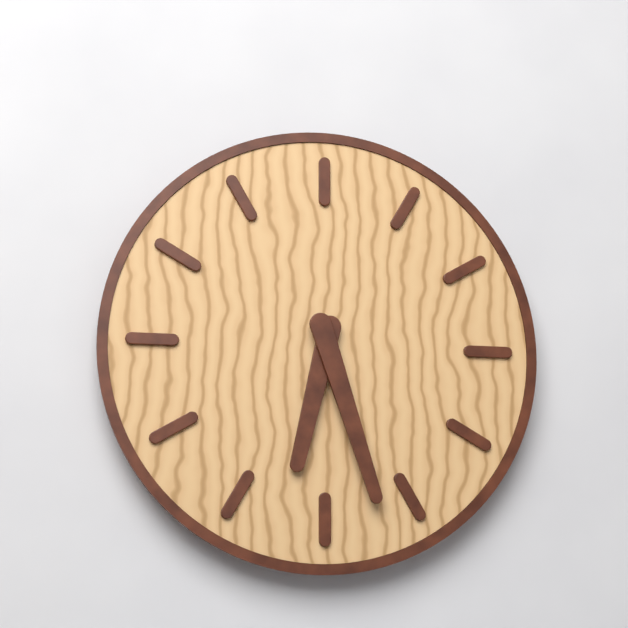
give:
6.27
